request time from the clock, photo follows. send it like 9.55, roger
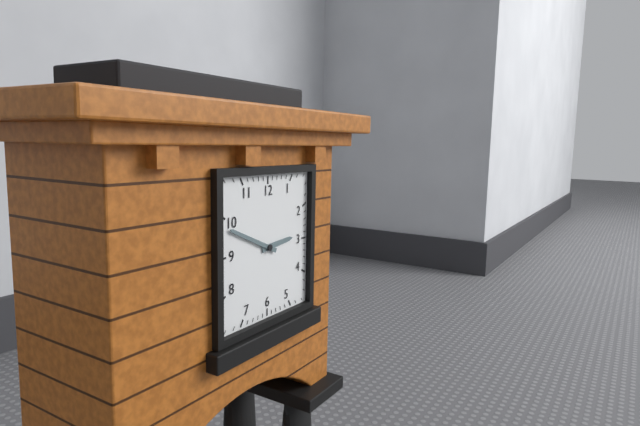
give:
2.49
